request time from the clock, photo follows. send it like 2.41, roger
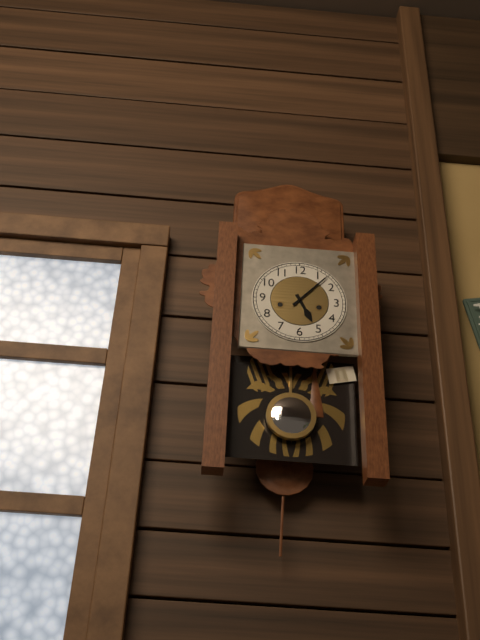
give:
5.07
